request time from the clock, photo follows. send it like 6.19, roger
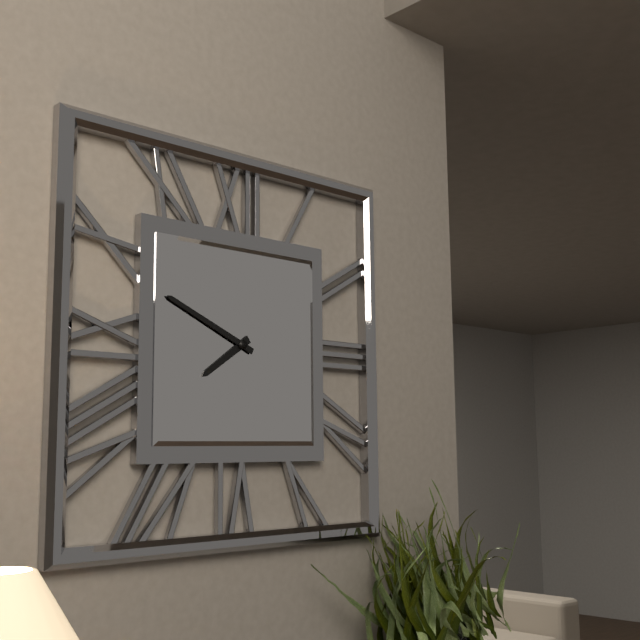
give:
7.49
